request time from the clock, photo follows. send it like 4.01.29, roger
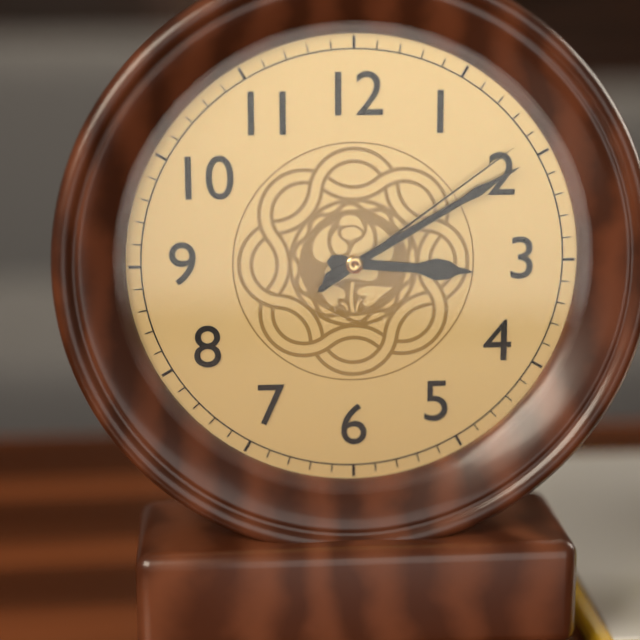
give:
3.10.09
